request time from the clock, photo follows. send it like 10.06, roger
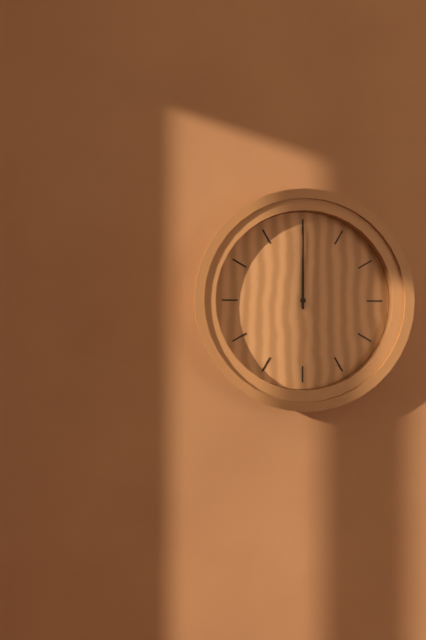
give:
12.00
